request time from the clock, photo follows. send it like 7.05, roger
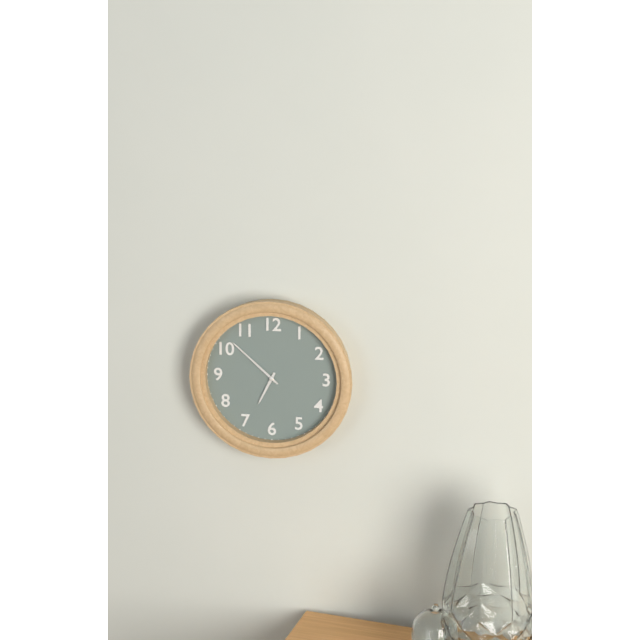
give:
6.52
